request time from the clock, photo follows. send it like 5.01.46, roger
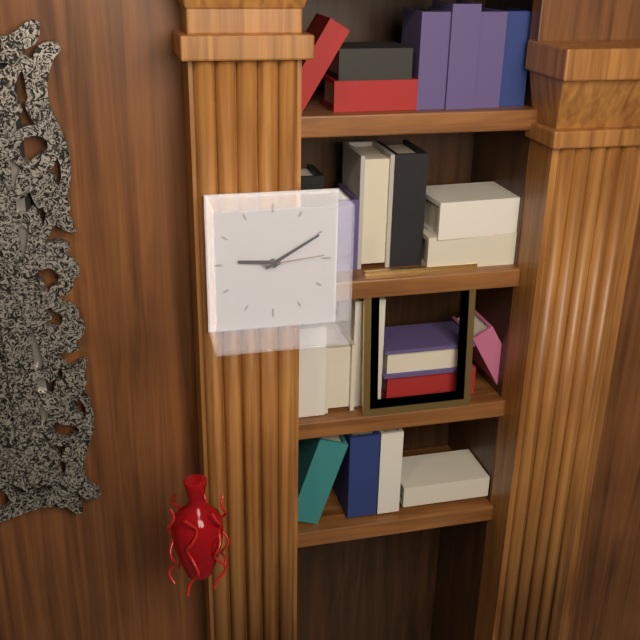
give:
9.10.14
